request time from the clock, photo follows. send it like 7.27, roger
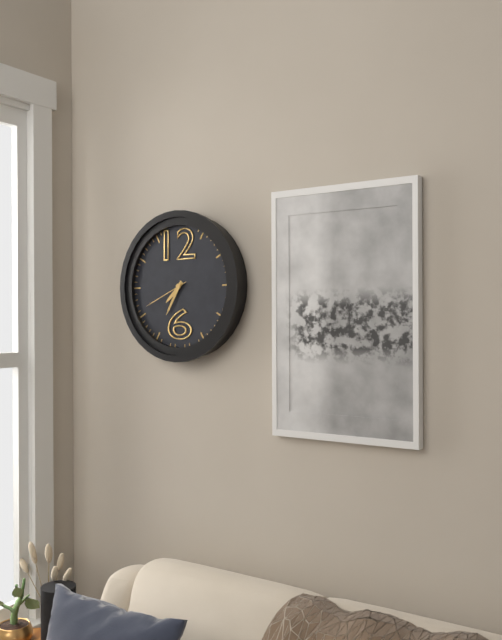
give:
7.35
